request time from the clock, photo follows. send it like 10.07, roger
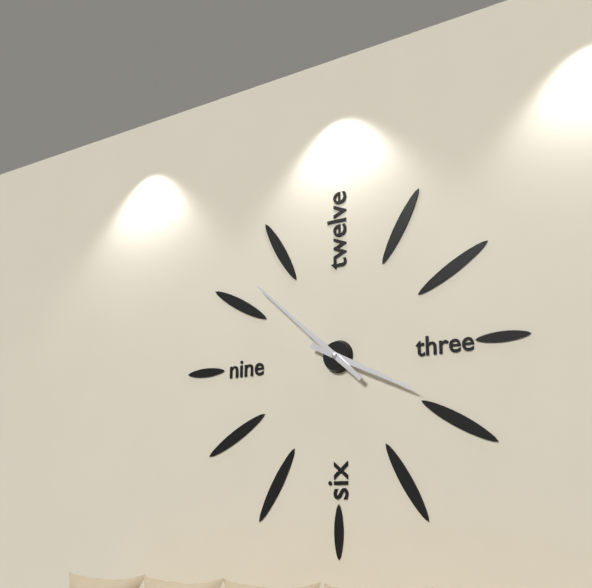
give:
3.52
